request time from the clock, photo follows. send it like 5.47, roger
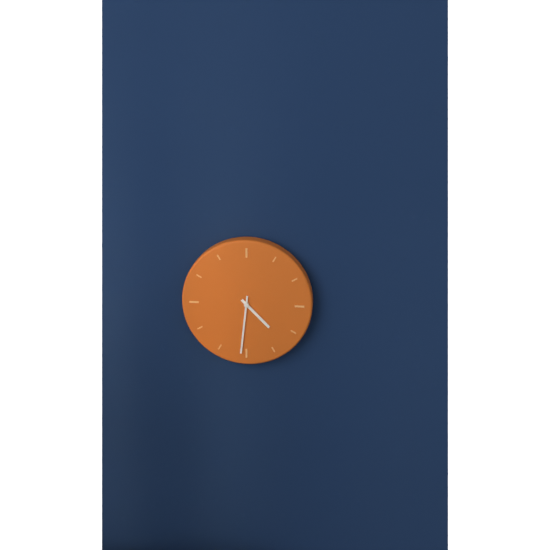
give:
4.31
